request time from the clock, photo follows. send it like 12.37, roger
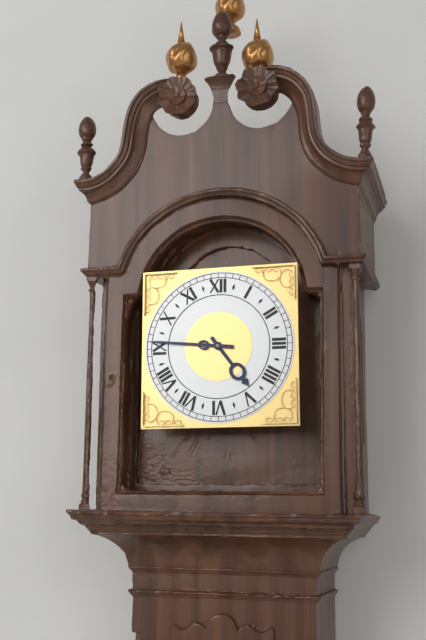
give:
4.46
